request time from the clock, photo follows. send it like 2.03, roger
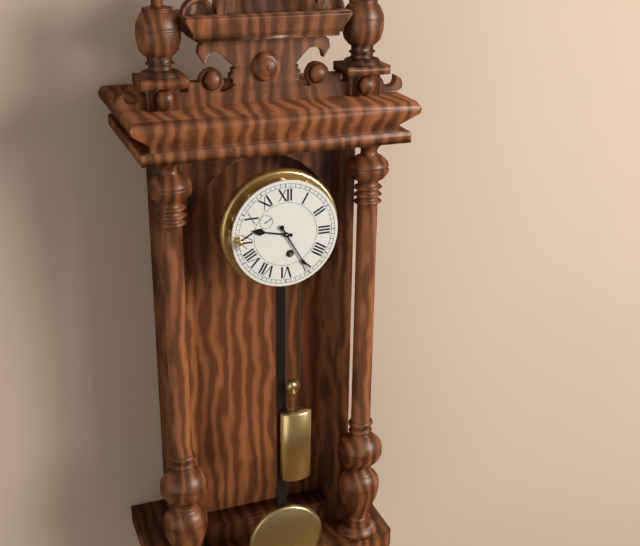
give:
9.25
